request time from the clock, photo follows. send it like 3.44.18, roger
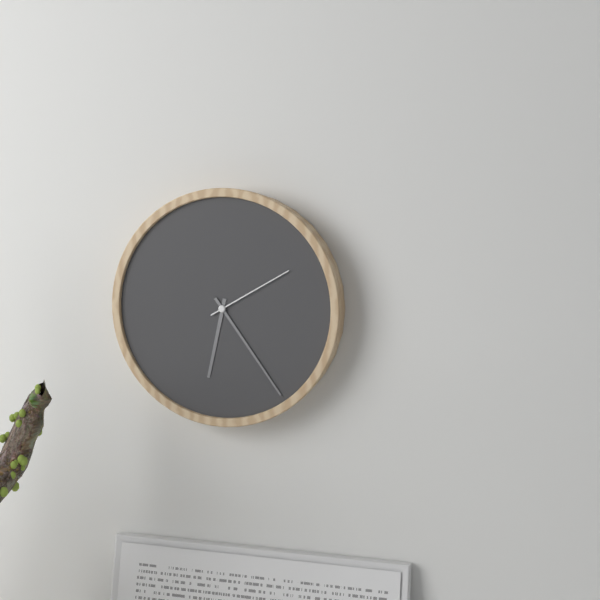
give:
6.24.10
